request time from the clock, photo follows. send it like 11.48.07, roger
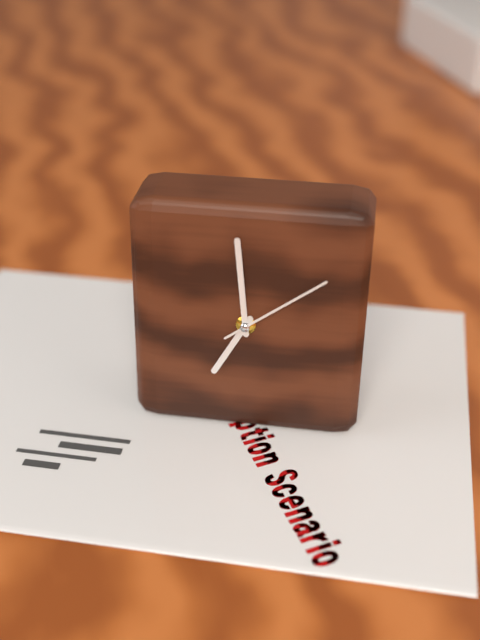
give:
6.59.09
